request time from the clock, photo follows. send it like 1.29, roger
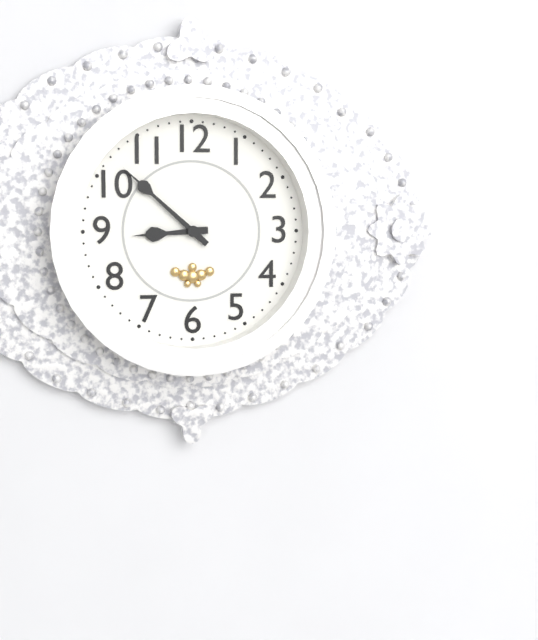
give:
8.52
